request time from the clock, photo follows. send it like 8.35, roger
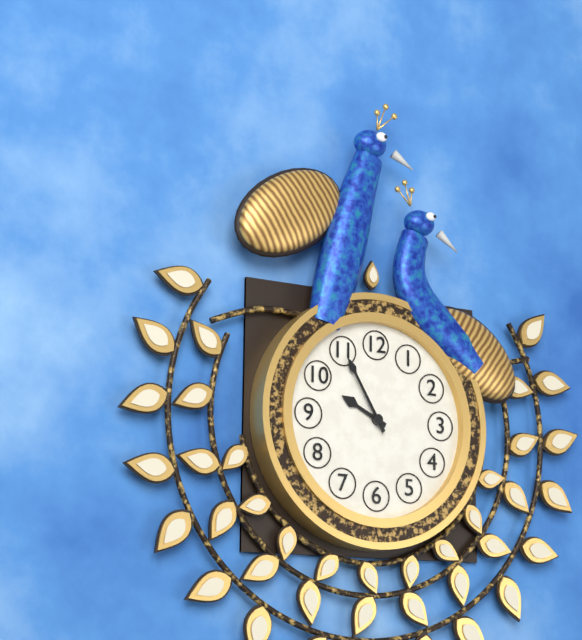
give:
9.55
